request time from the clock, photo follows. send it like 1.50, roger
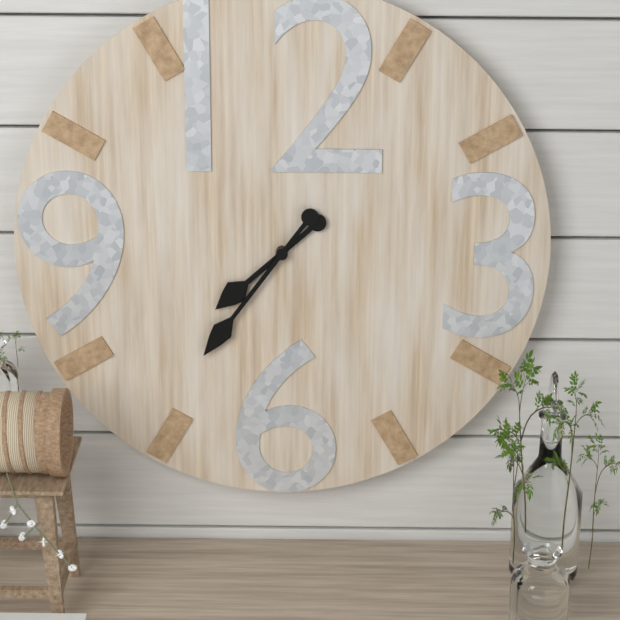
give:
7.36
